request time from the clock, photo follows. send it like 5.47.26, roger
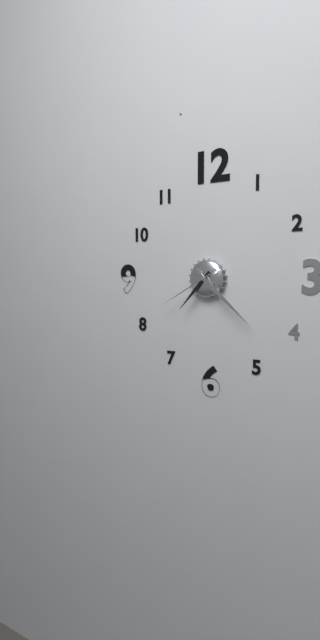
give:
7.22.40
